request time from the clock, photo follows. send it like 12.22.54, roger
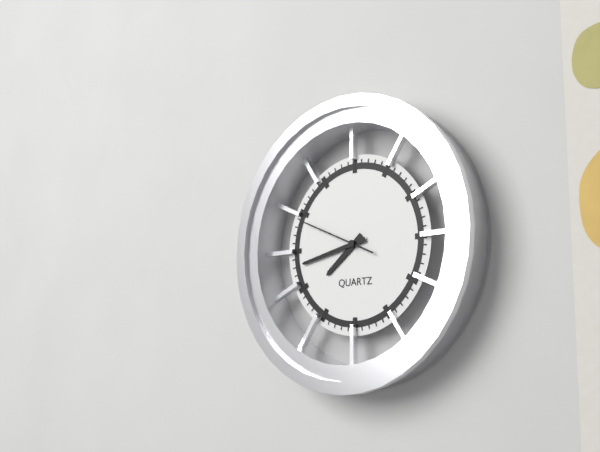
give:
7.43.49
